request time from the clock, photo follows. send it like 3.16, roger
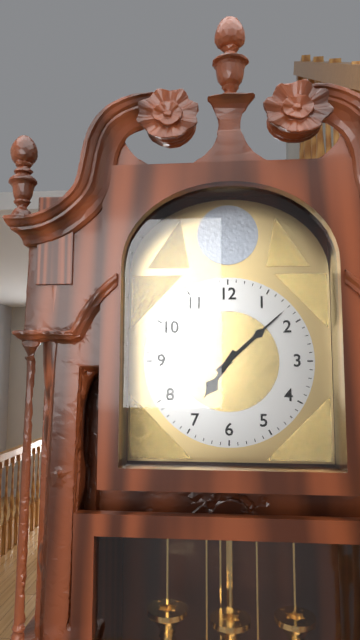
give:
7.08
